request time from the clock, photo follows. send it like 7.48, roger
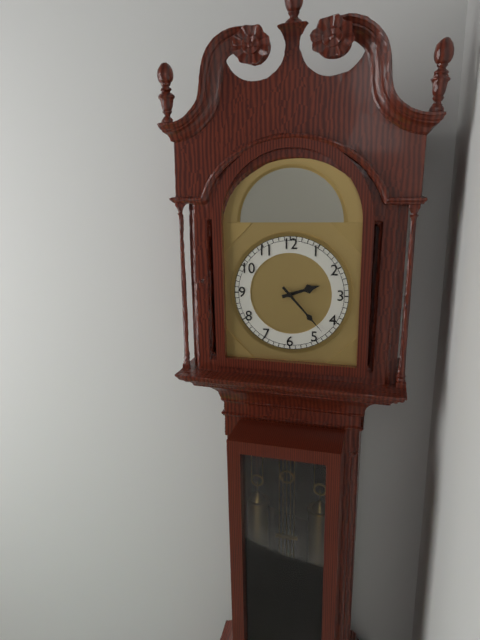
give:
2.23
